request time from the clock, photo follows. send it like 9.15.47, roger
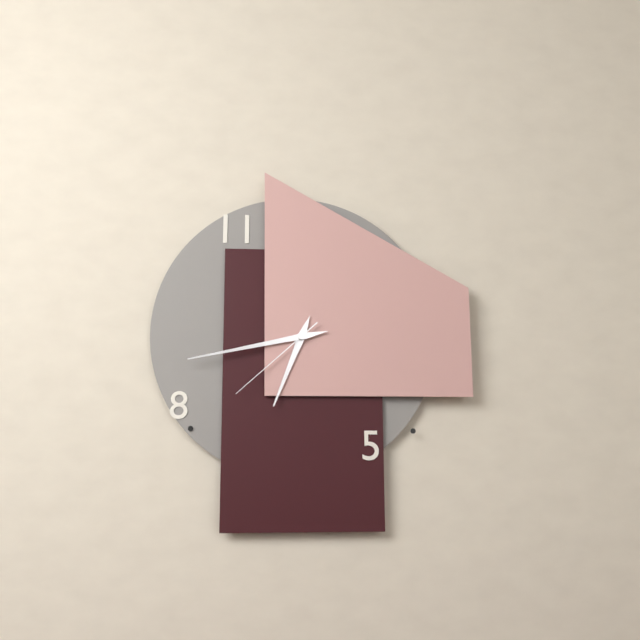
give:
6.43.38
